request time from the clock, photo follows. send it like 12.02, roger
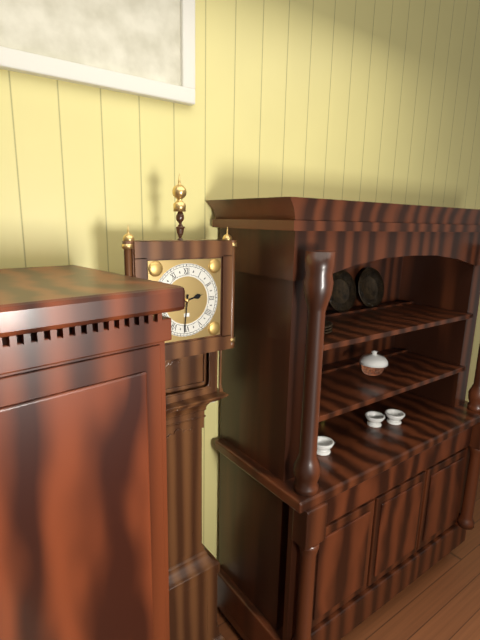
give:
2.31
